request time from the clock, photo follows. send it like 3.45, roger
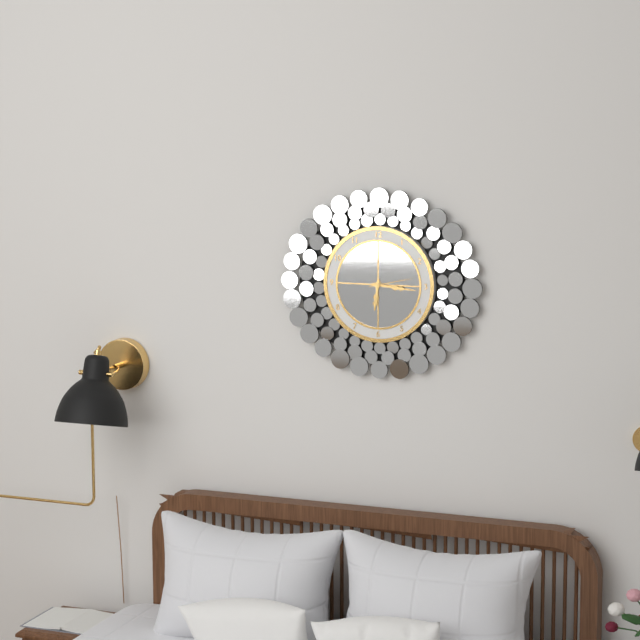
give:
6.16
